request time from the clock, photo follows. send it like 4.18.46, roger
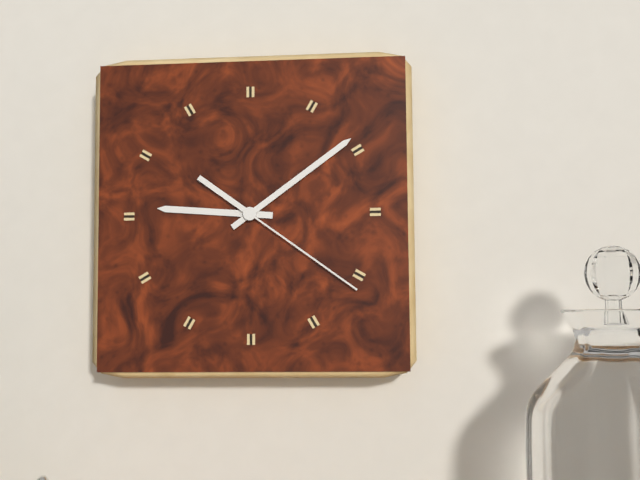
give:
9.09.21
